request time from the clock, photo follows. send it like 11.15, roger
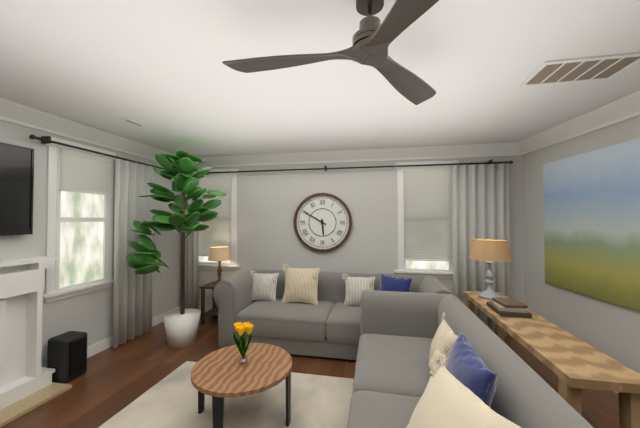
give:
5.50
